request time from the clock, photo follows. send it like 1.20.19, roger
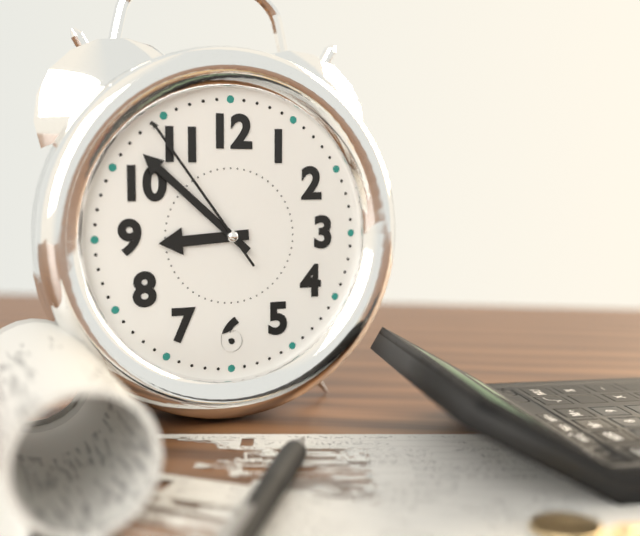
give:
8.52.54
